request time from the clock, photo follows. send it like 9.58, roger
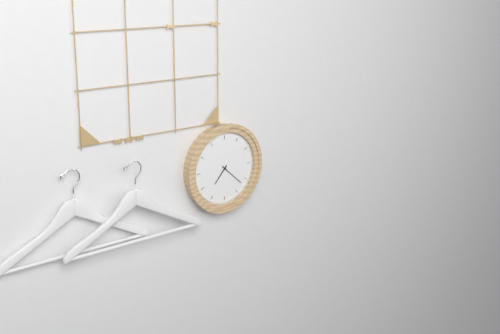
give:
7.22
